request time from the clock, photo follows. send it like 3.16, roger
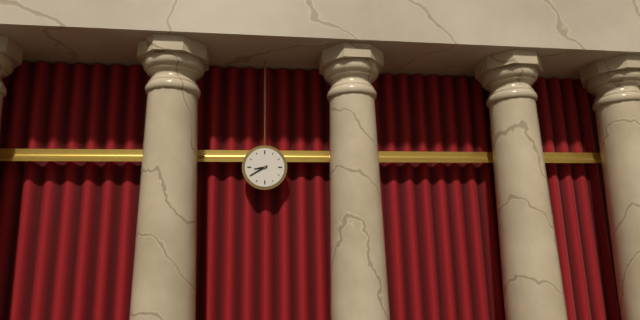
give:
8.40
